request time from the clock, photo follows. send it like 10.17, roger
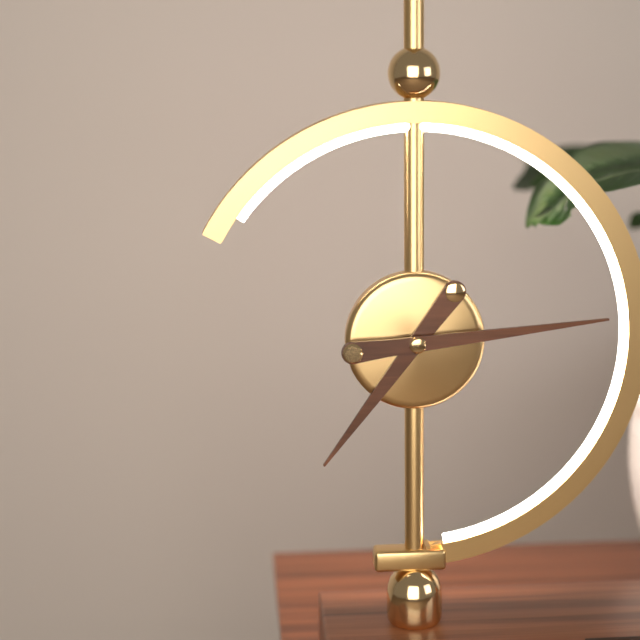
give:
7.14
